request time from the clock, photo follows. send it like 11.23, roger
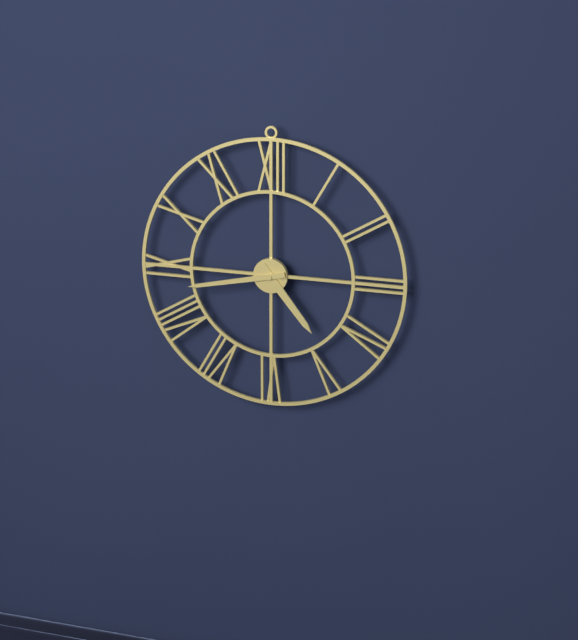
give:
4.43
